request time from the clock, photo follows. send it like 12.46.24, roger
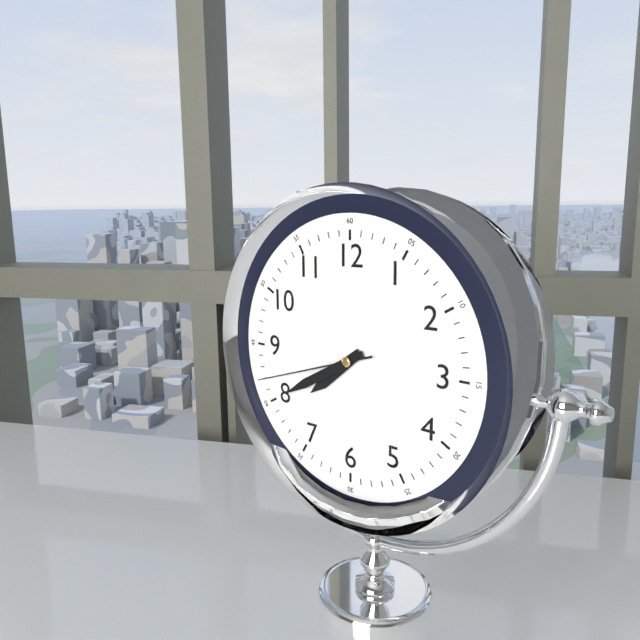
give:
7.40.42
